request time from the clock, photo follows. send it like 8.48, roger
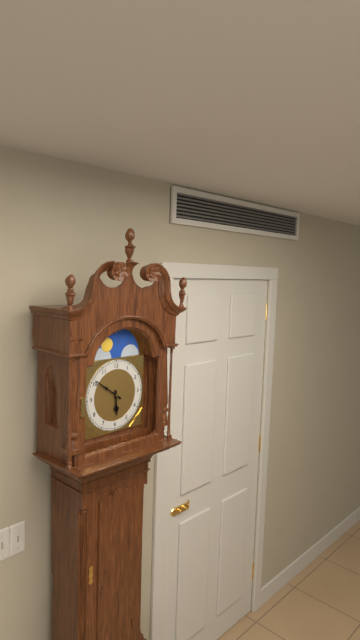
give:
5.51
